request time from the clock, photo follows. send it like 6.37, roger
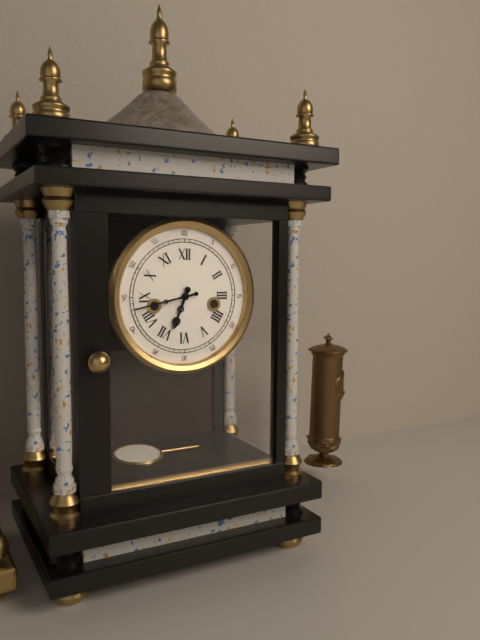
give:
6.43
